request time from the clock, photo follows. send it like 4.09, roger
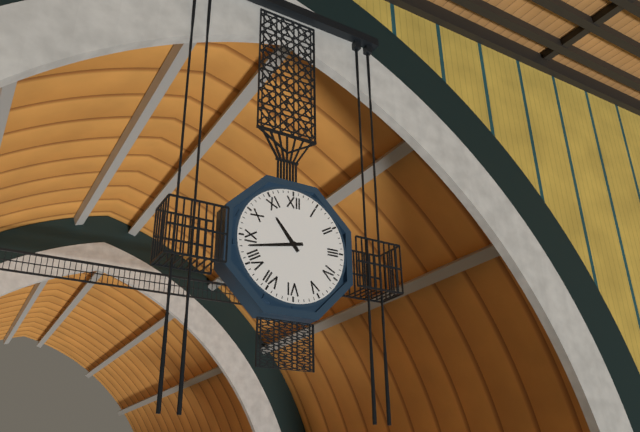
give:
10.43
